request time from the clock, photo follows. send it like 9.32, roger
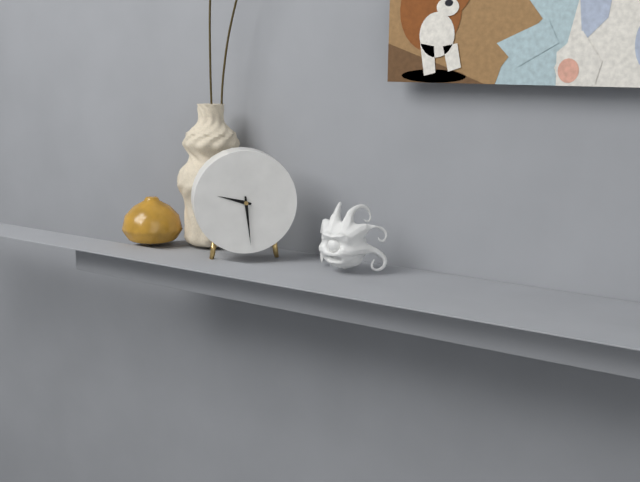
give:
9.29
